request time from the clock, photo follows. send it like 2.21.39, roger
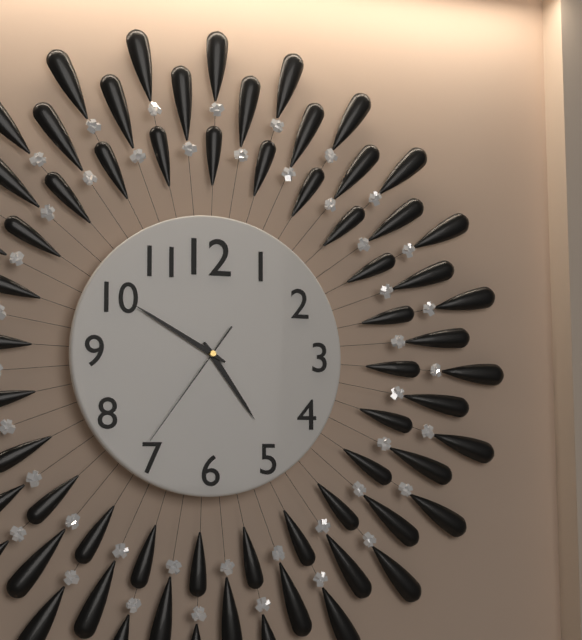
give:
4.50.36
